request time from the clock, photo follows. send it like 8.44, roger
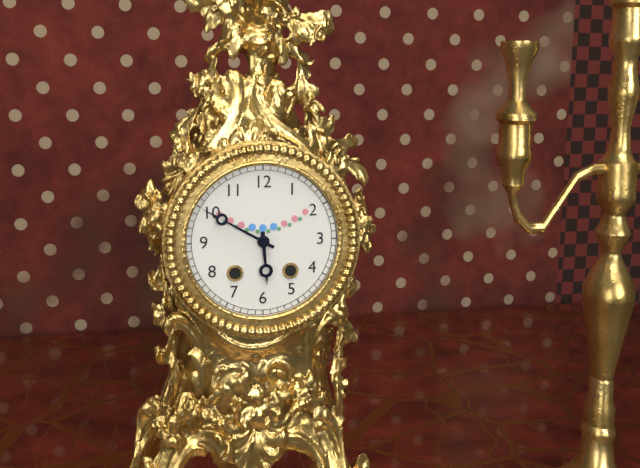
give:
5.50
